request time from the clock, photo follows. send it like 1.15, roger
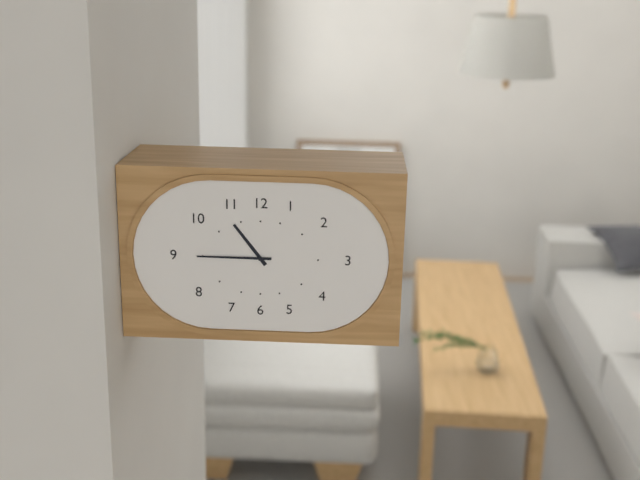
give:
10.45
